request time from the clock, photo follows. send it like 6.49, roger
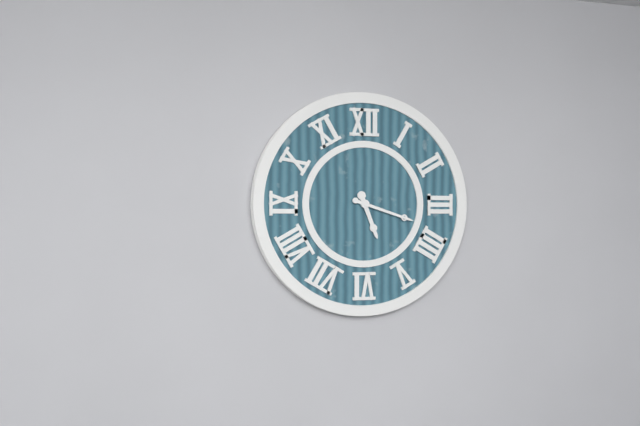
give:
5.18
